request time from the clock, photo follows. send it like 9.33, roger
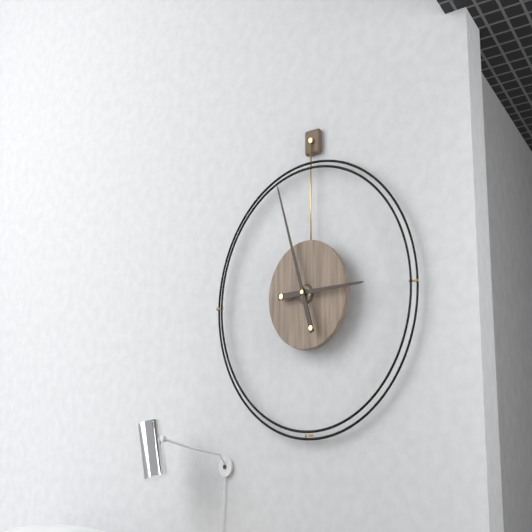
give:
2.57
